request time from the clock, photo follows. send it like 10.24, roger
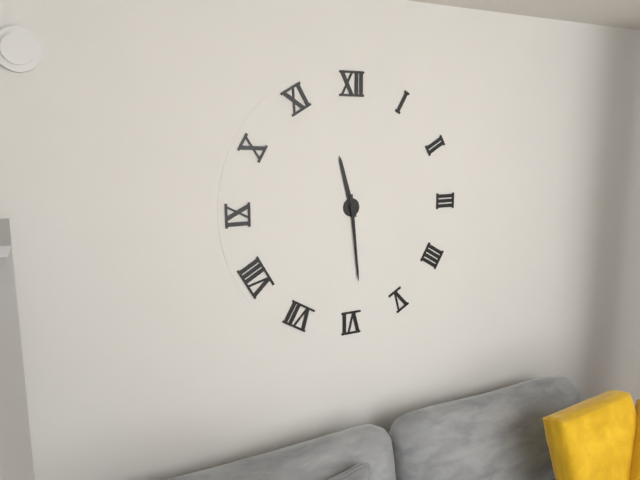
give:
11.29
